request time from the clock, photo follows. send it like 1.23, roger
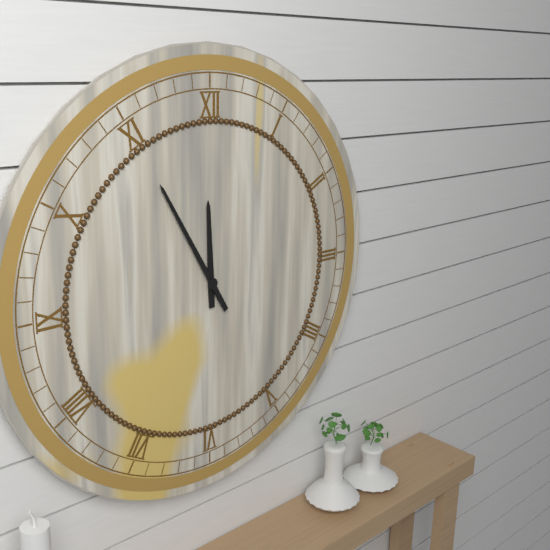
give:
11.55
